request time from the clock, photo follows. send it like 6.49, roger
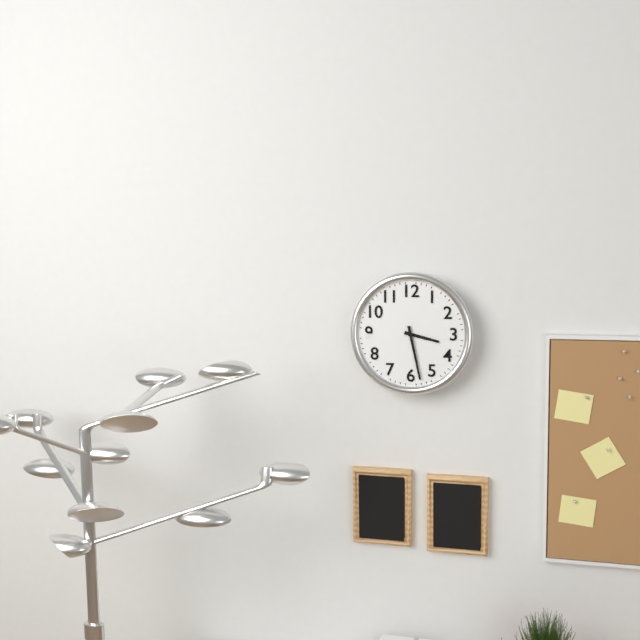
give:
3.28
